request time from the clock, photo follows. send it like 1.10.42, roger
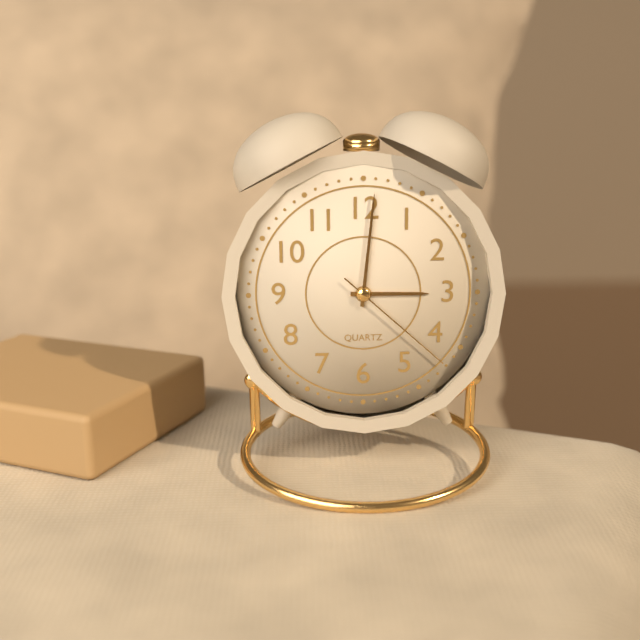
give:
3.01.22
